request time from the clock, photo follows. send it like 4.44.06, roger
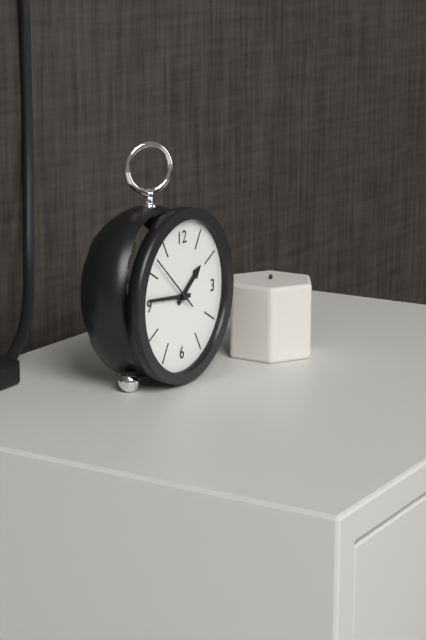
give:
1.46.52
